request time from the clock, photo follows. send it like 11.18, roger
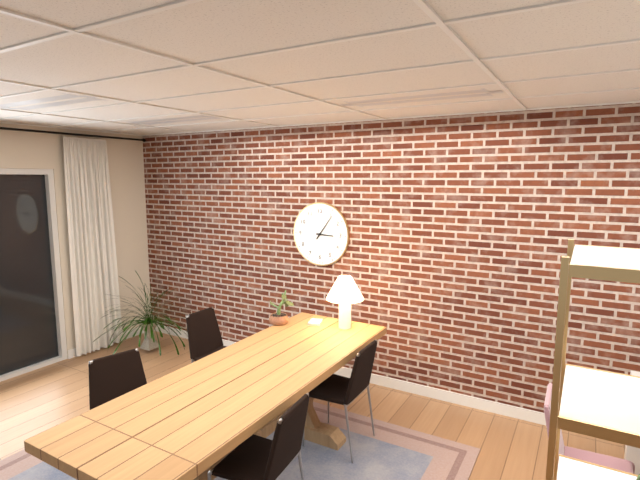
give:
3.06
